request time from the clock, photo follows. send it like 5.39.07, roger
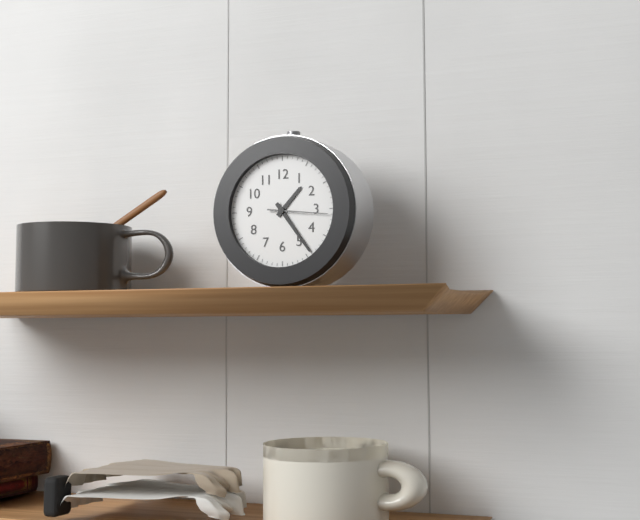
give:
1.24.16
